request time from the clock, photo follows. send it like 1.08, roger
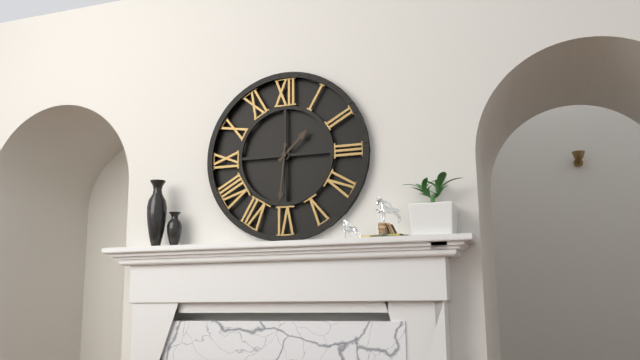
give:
1.31
